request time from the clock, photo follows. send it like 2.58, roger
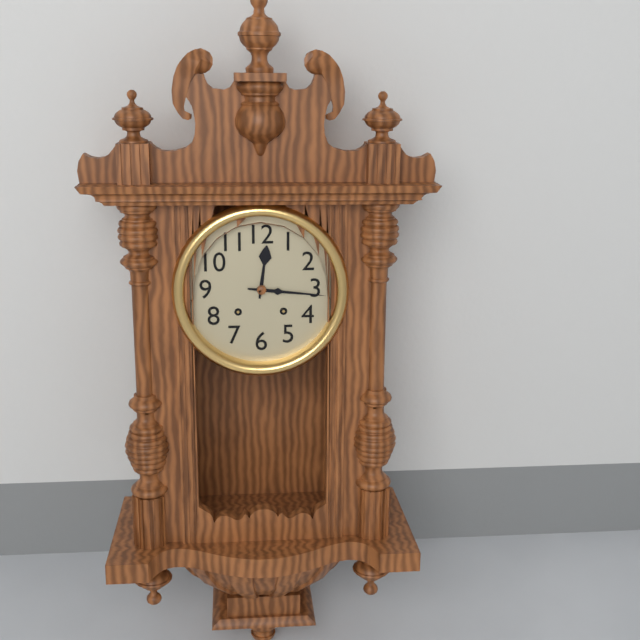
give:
12.16
